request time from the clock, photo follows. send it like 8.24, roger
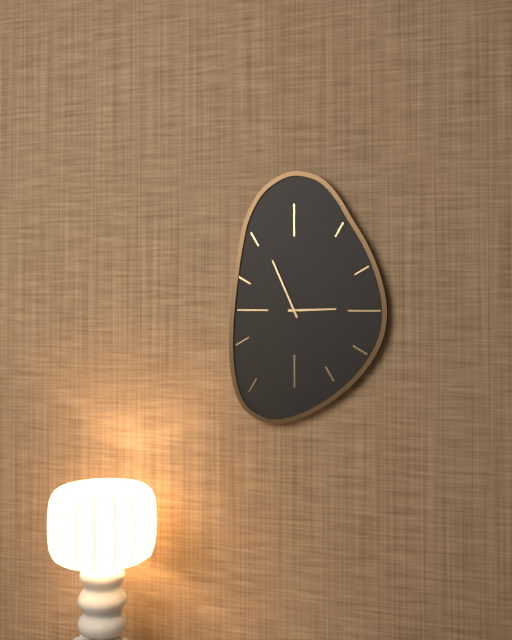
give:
2.56
